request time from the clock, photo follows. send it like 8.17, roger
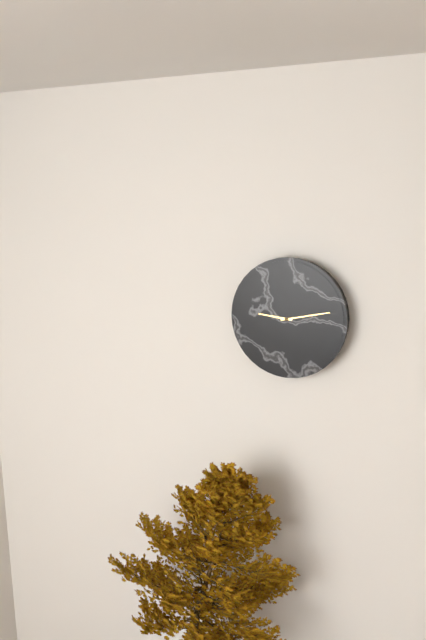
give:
9.13
